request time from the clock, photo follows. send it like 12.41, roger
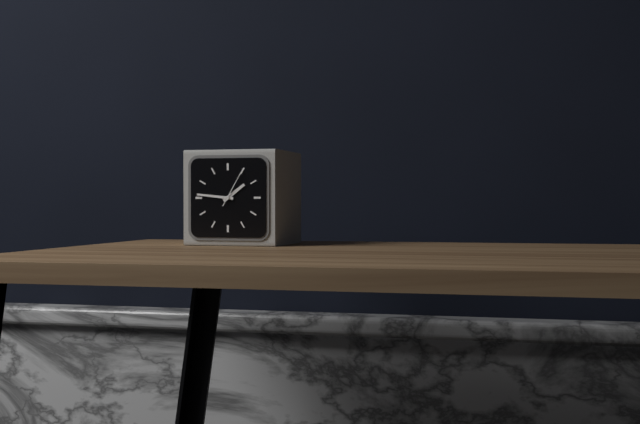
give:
1.46
